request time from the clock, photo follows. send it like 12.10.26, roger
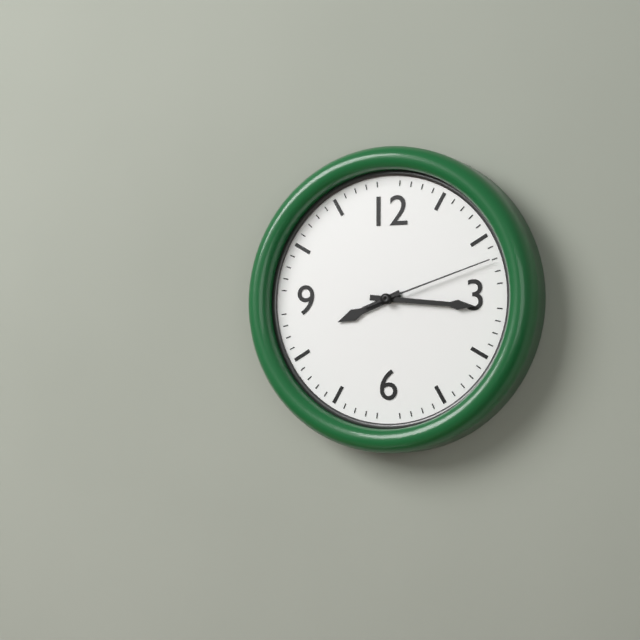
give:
8.16.12
